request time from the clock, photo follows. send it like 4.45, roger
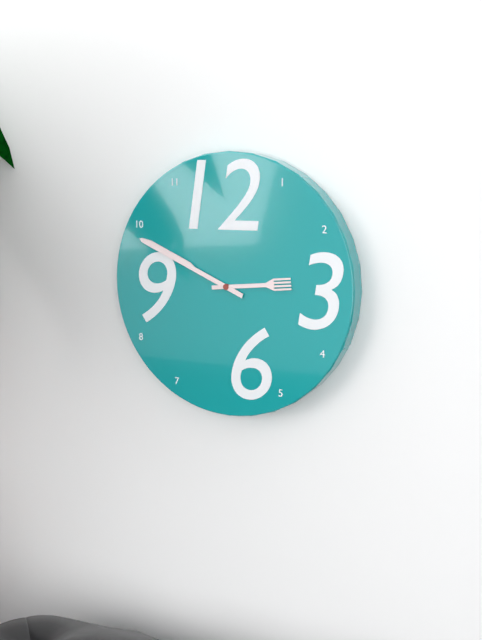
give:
2.49
